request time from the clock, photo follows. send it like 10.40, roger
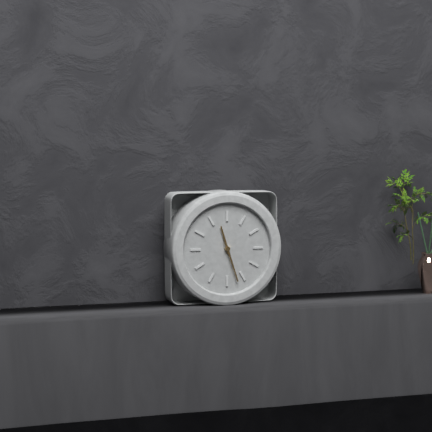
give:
11.27
